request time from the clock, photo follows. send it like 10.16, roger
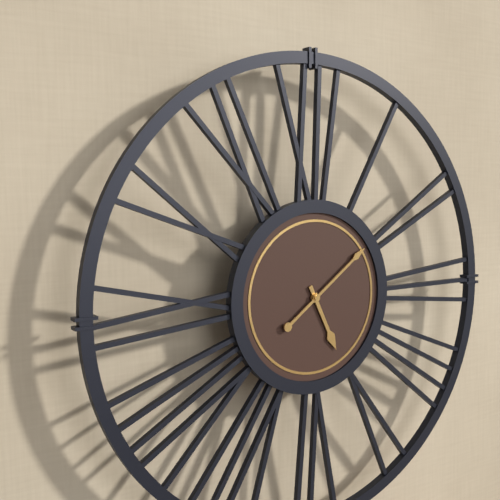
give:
5.09
